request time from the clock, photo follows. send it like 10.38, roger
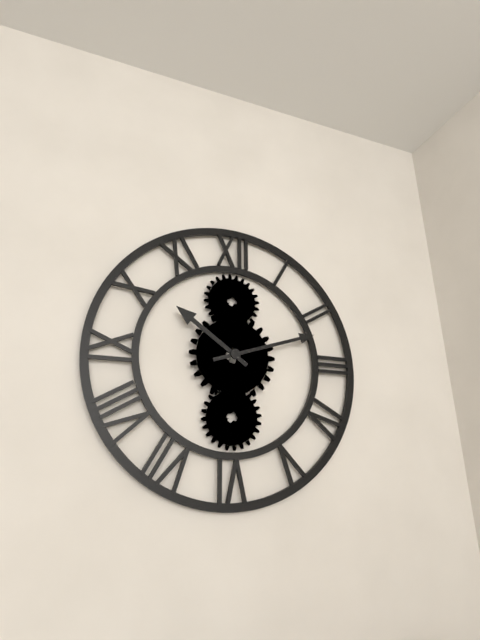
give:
10.12
